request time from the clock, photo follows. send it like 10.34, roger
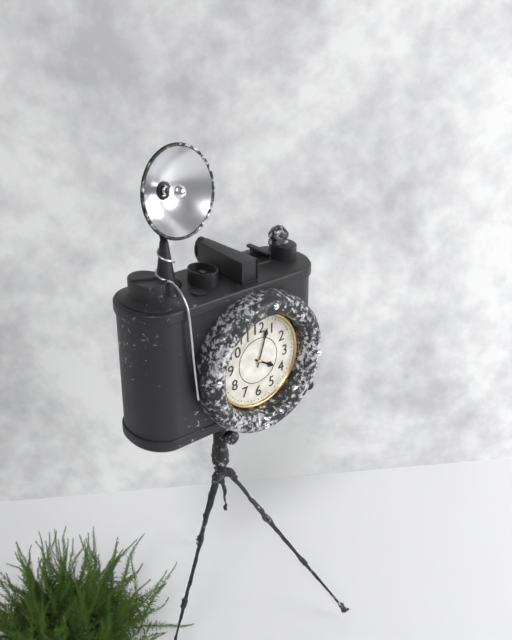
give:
4.03
